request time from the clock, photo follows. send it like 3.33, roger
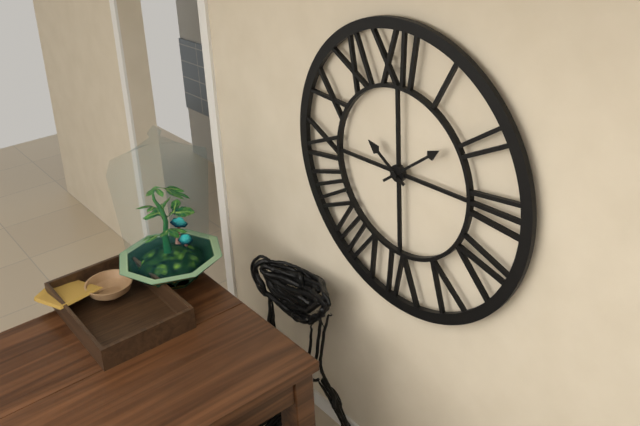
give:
10.09
